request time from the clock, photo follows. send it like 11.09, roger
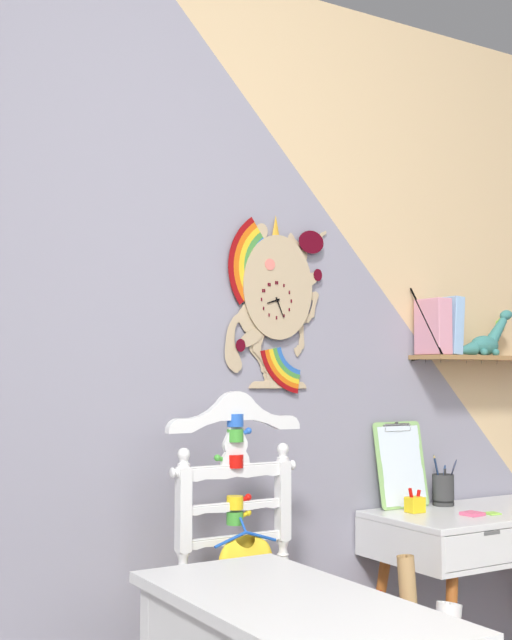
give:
8.26
